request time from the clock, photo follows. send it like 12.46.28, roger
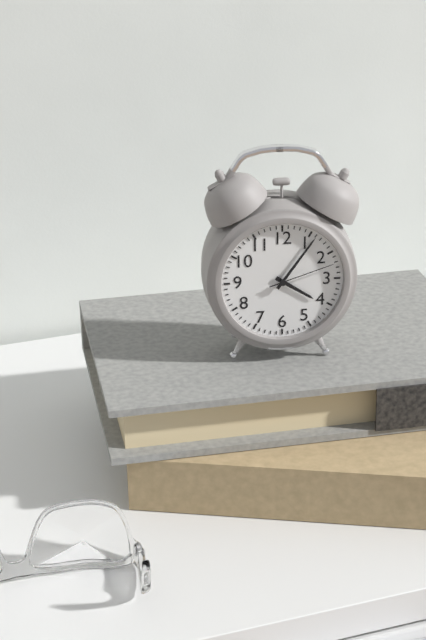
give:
4.06.12
